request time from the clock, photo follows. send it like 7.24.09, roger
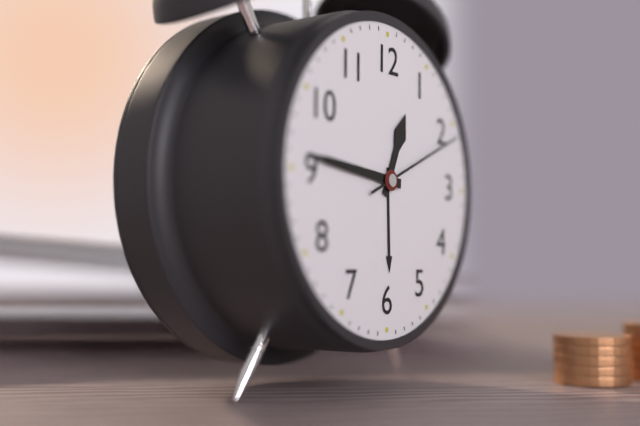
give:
12.46.11
